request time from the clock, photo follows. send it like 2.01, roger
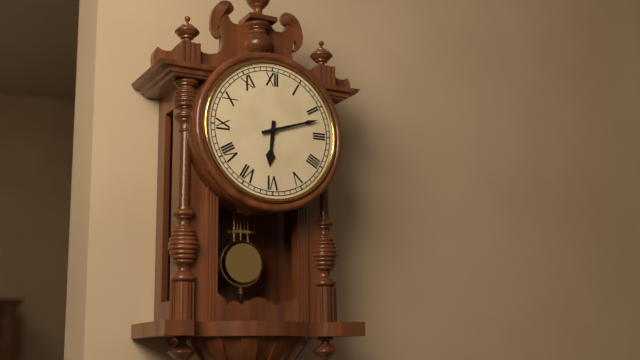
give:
6.12
